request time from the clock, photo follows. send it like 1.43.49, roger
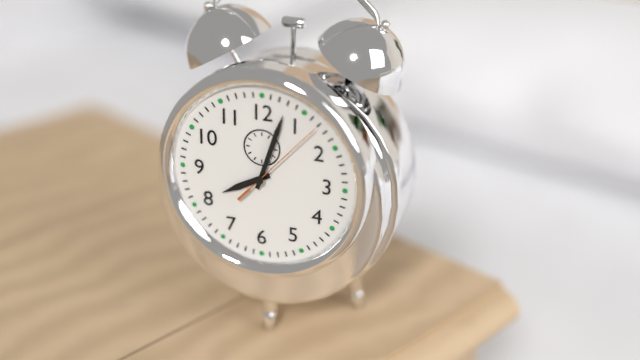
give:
8.03.07
